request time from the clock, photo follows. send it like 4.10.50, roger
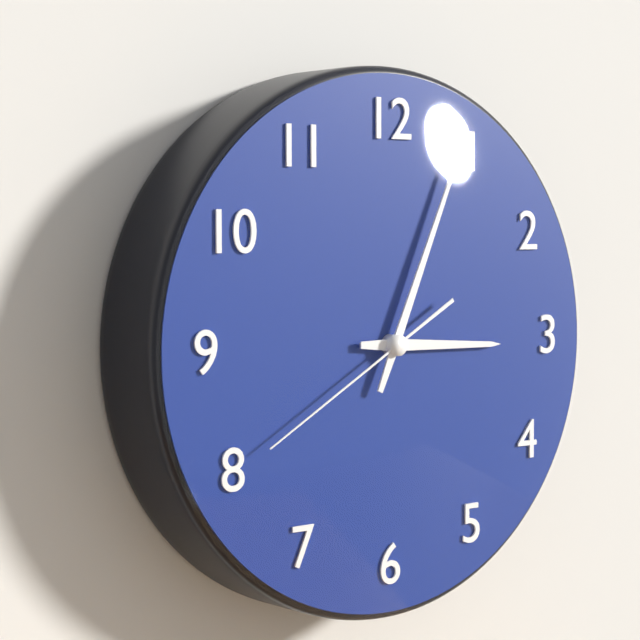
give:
3.04.40
